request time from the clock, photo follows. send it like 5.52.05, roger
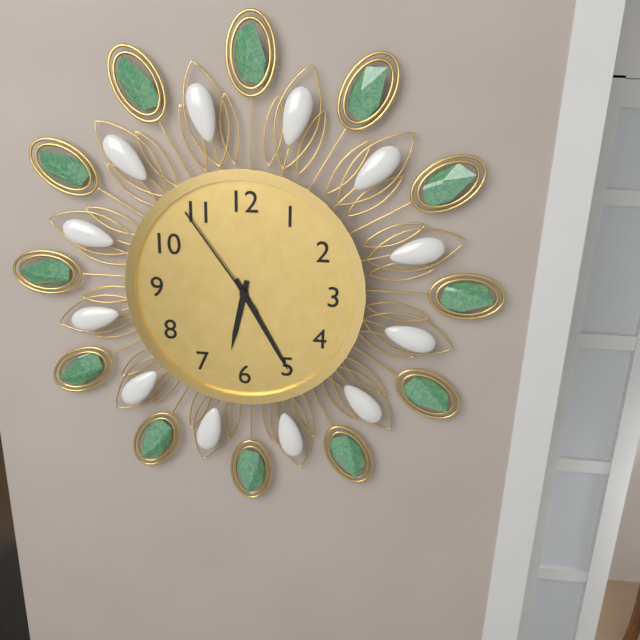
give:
6.25.54
